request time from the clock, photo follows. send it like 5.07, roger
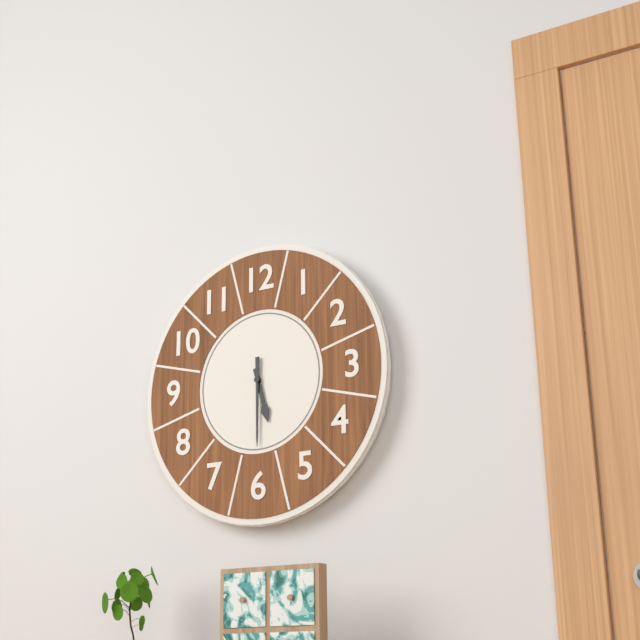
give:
5.30
